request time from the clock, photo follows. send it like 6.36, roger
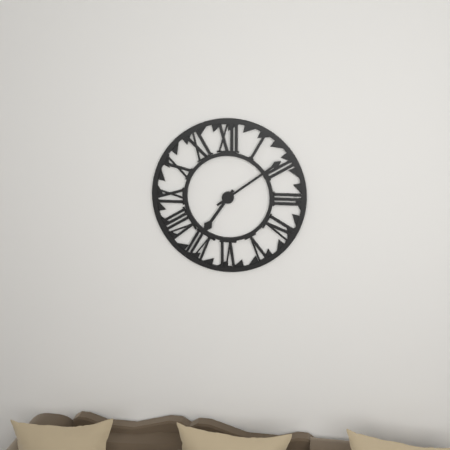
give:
7.09
